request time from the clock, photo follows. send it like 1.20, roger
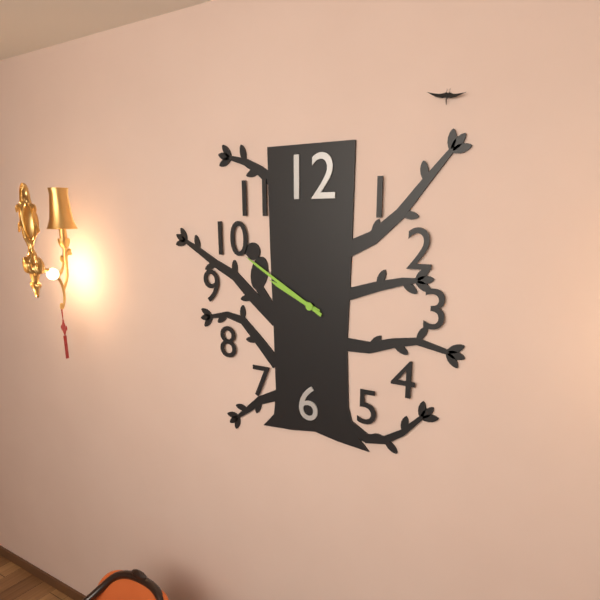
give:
9.50
